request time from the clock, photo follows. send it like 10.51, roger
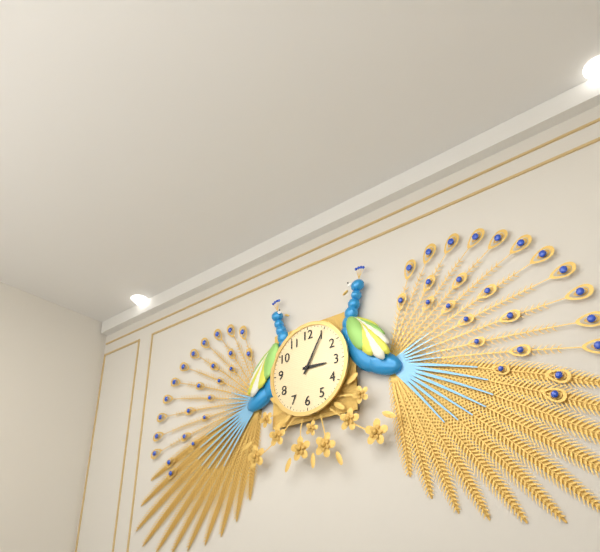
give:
3.05
